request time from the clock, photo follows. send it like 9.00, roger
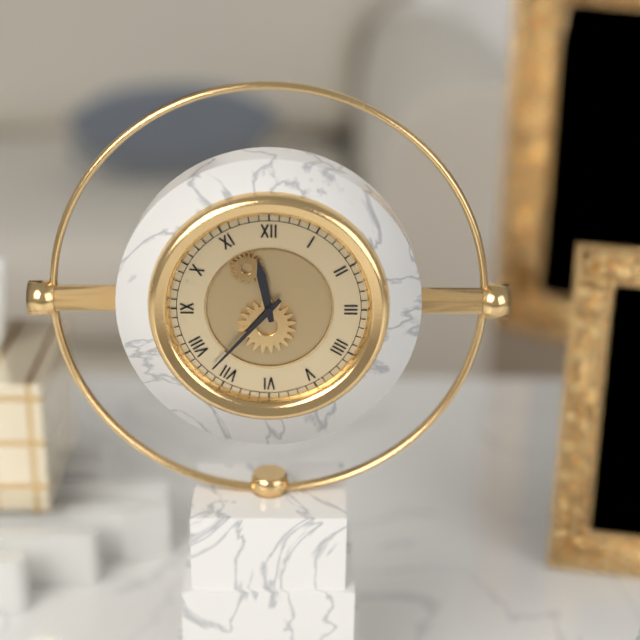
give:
11.37
